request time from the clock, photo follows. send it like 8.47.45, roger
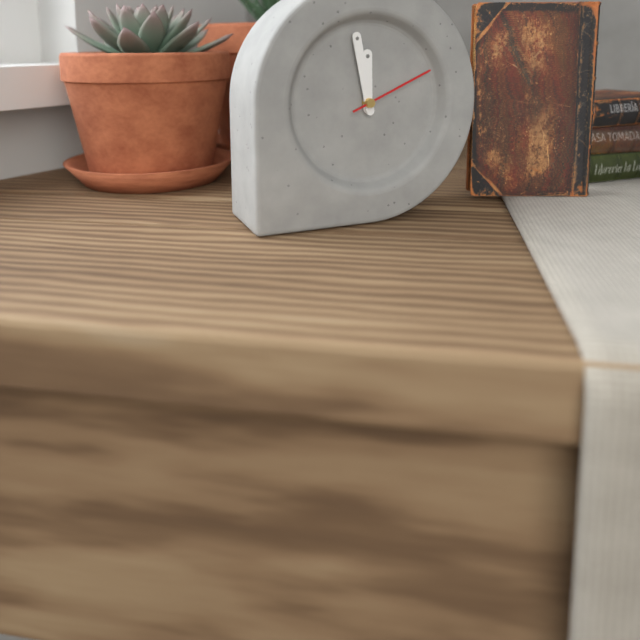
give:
11.58.11
